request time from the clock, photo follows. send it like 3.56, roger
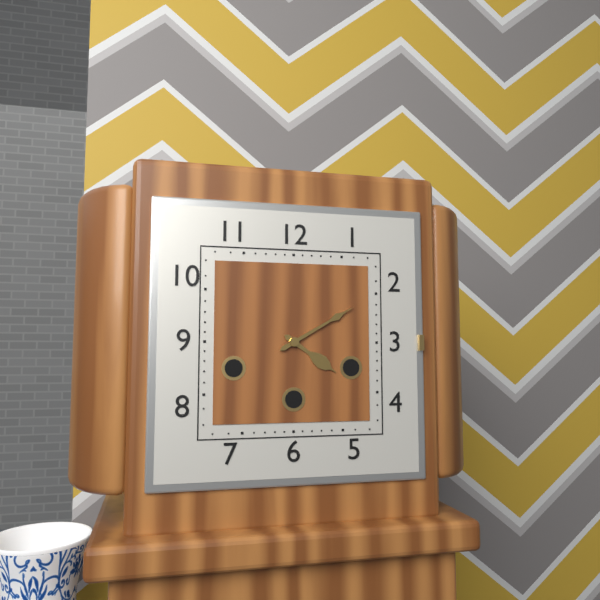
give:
4.10
